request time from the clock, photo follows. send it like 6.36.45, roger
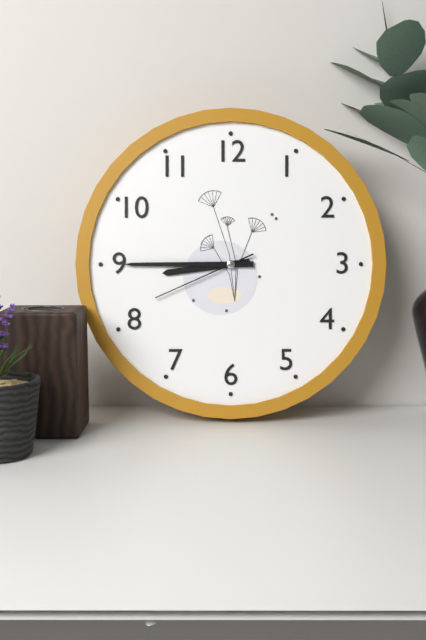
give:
8.45.41
